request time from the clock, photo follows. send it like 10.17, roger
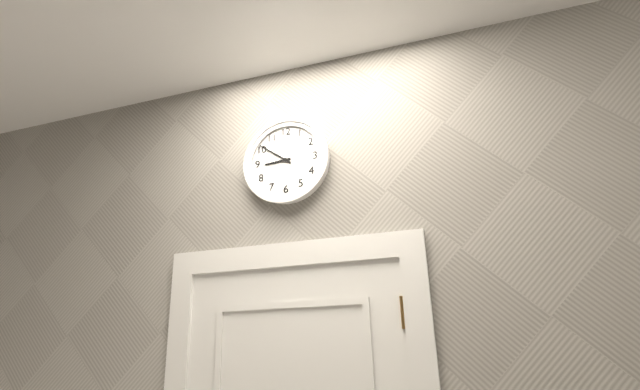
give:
8.51
